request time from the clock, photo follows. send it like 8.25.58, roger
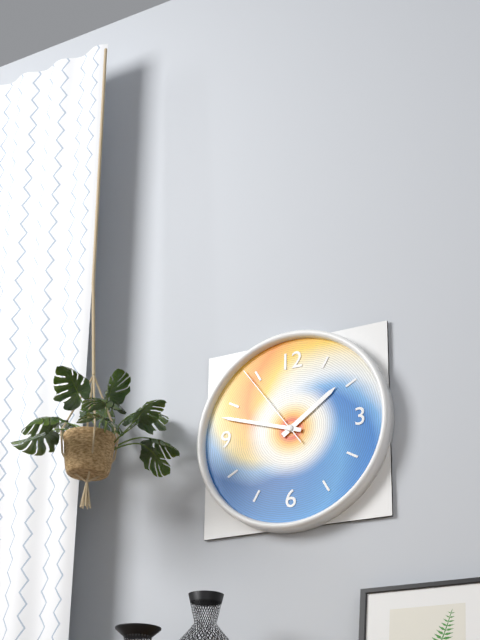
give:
1.48.54
